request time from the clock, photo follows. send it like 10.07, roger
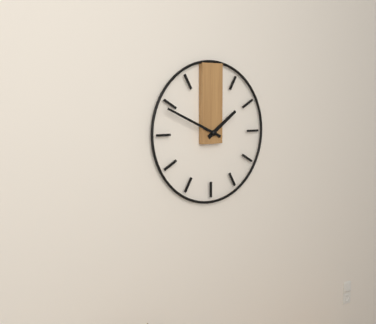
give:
1.49
